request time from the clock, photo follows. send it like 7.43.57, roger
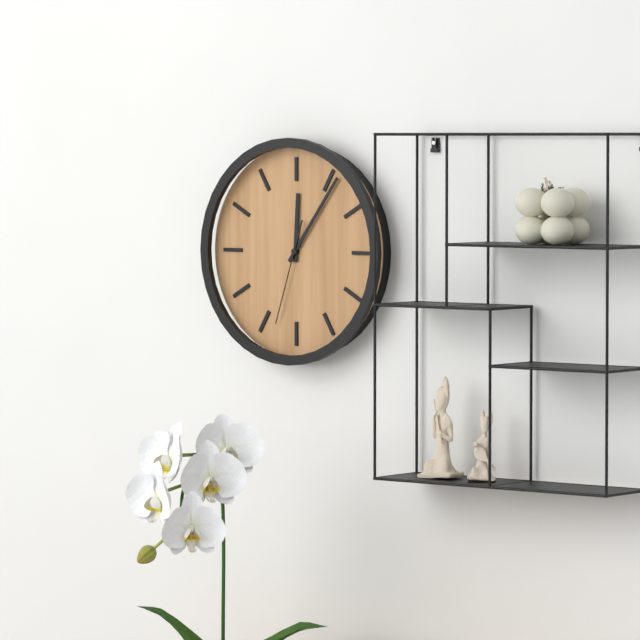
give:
12.06.33
